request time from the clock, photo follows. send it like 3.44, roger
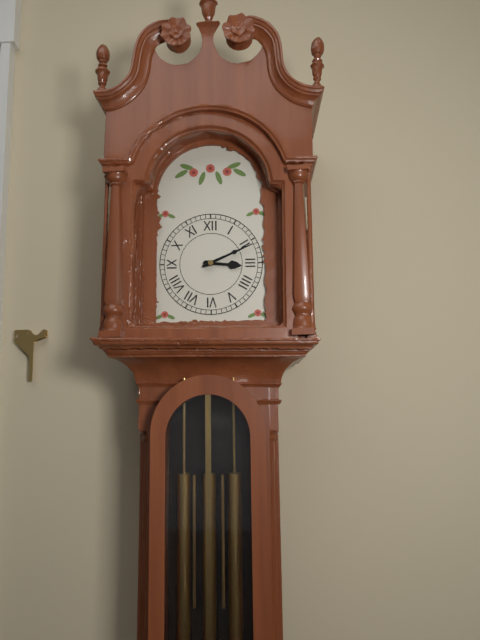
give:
3.11
